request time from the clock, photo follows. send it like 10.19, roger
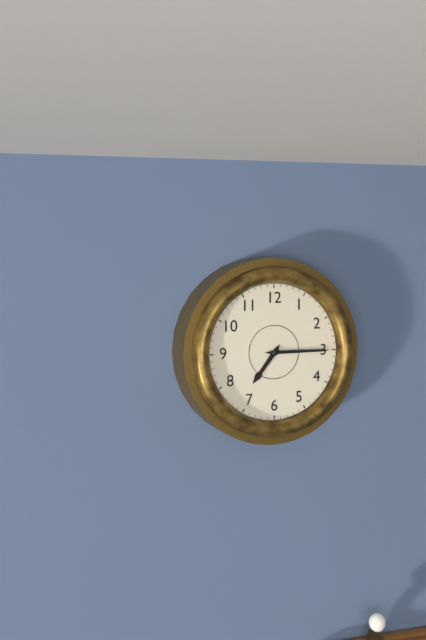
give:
7.15
